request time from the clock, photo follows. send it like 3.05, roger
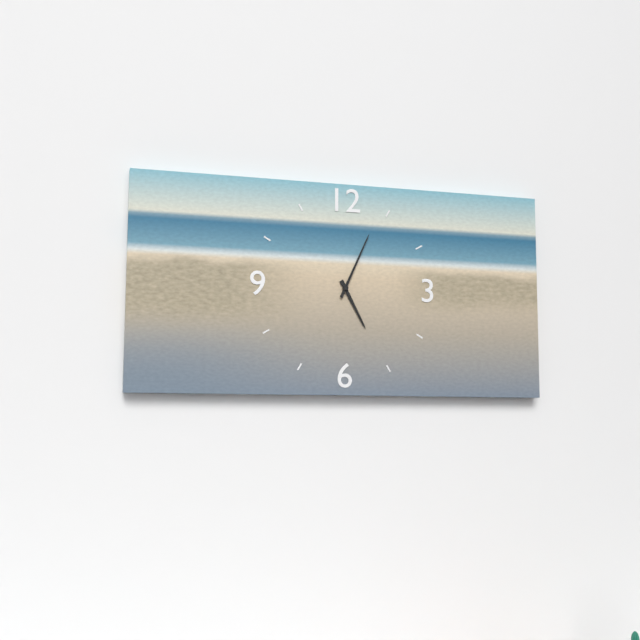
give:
5.04
